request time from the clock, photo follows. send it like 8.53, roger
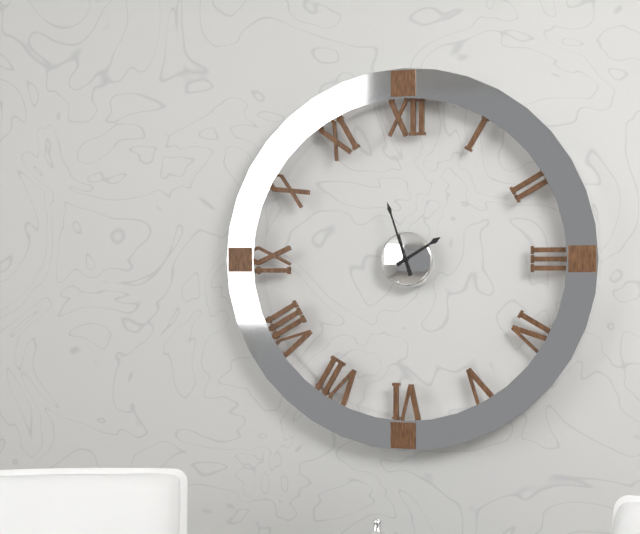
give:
1.57
